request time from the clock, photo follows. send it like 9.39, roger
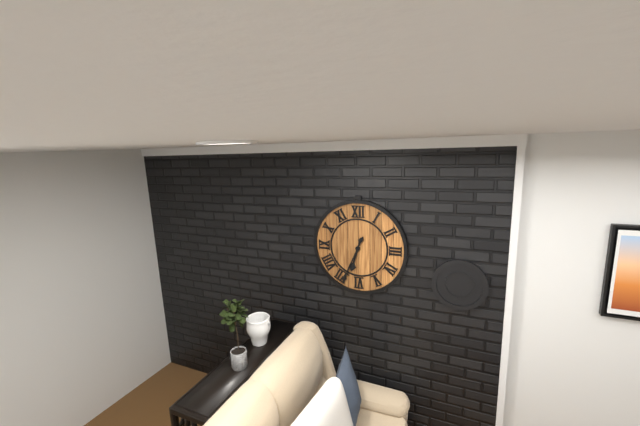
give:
6.34
